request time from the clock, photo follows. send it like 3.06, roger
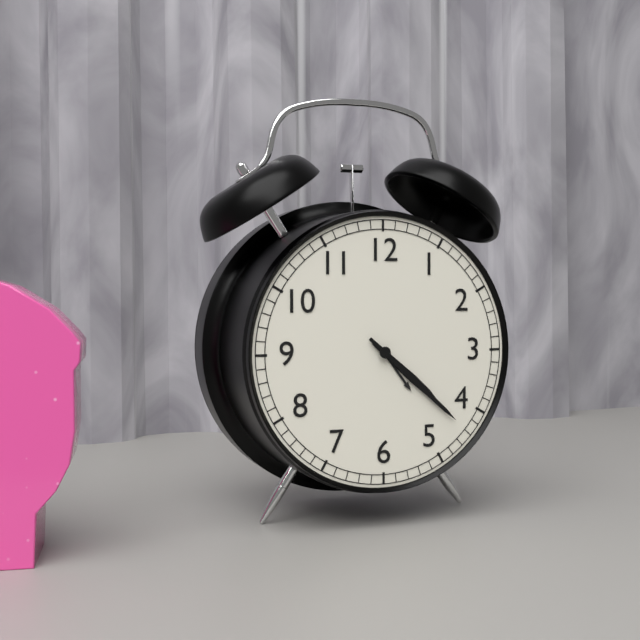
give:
4.22
